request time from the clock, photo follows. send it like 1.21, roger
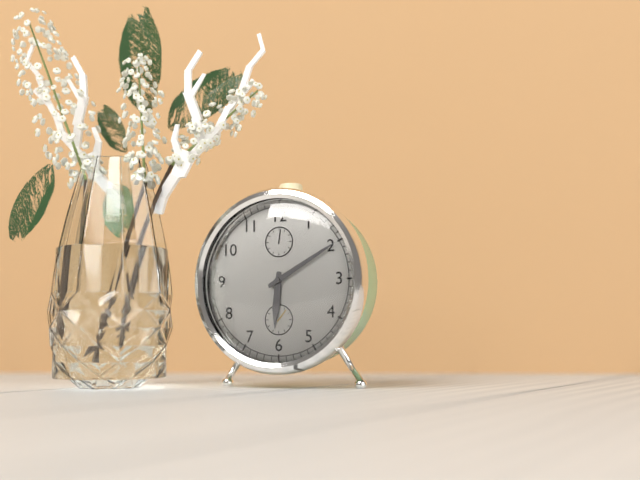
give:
6.10
